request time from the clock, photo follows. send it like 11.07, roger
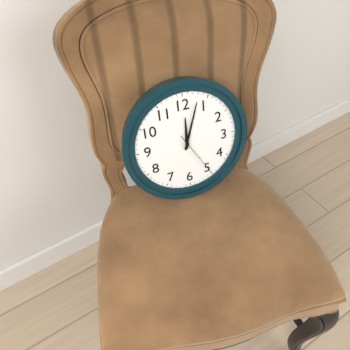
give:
12.03
